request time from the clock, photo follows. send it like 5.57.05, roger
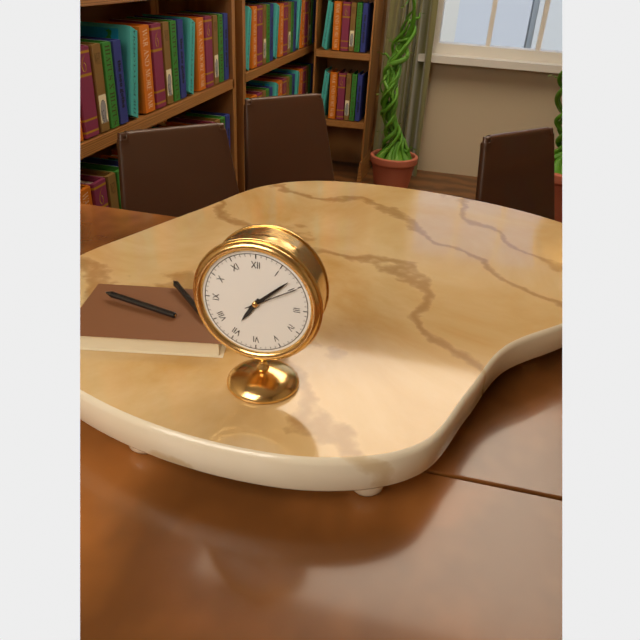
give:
7.08.10
